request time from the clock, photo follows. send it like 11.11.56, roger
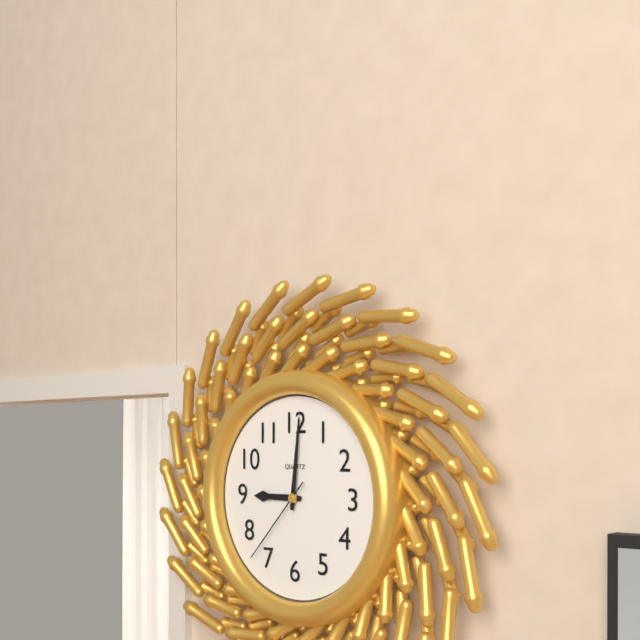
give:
9.01.37
